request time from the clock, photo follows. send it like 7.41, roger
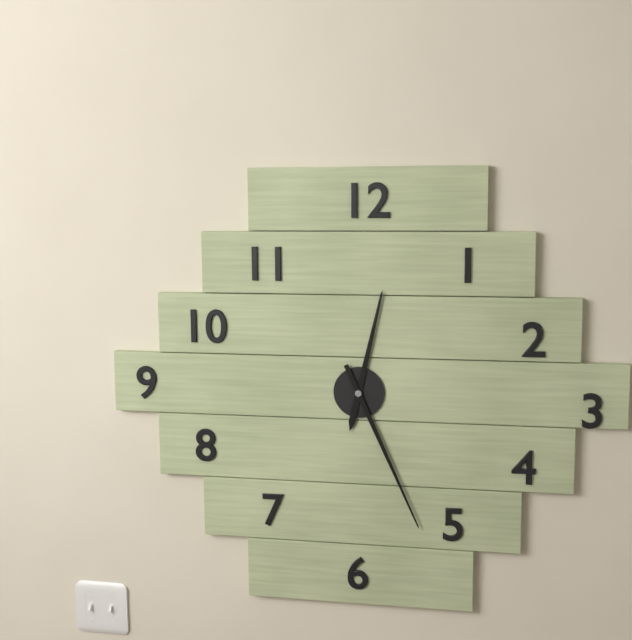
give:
12.26
